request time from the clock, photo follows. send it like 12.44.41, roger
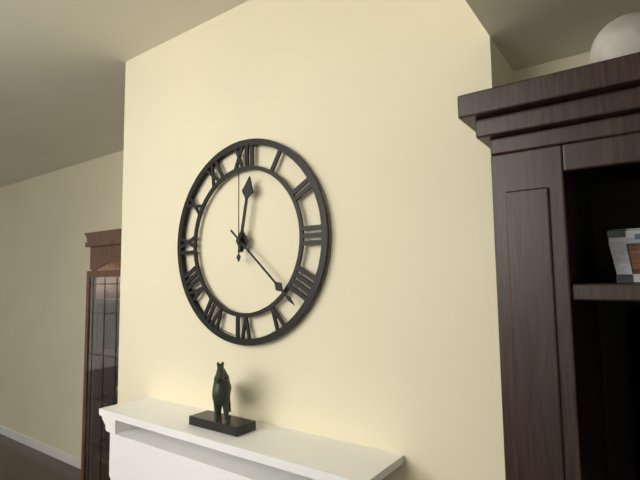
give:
12.22.00
